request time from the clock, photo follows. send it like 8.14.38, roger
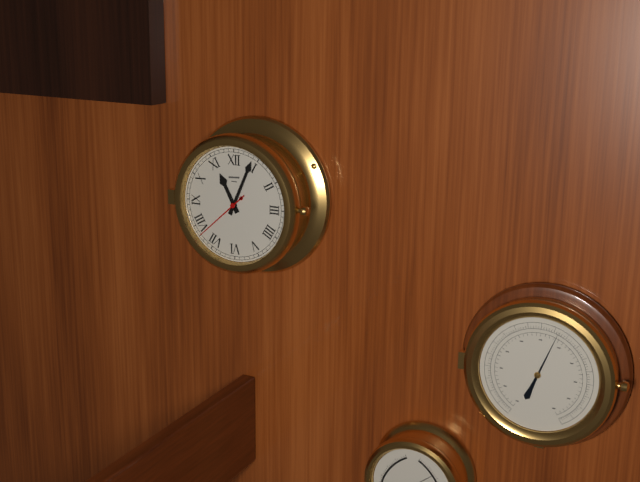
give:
11.04.38
